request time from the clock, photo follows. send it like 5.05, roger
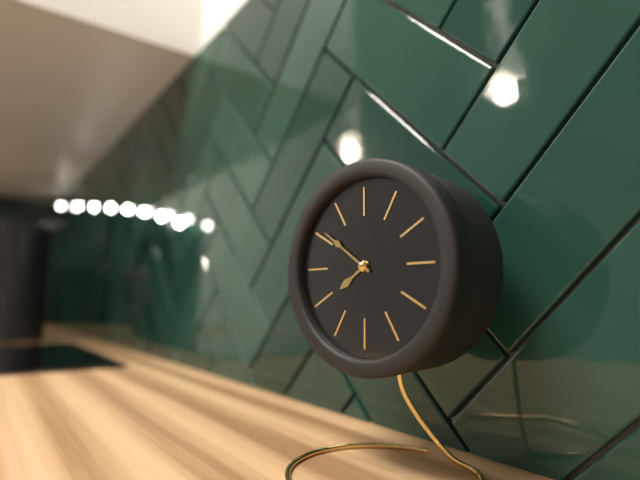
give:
7.51
